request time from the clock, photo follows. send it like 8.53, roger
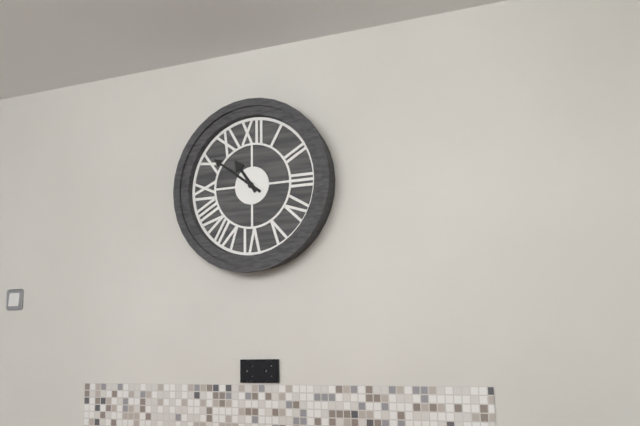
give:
10.51
